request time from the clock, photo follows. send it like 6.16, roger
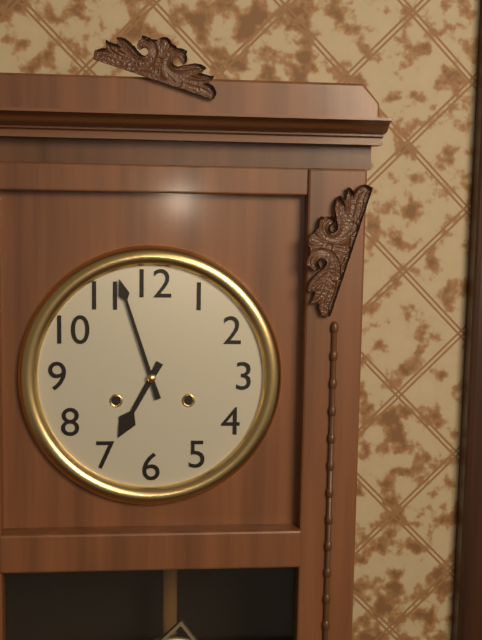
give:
6.57
